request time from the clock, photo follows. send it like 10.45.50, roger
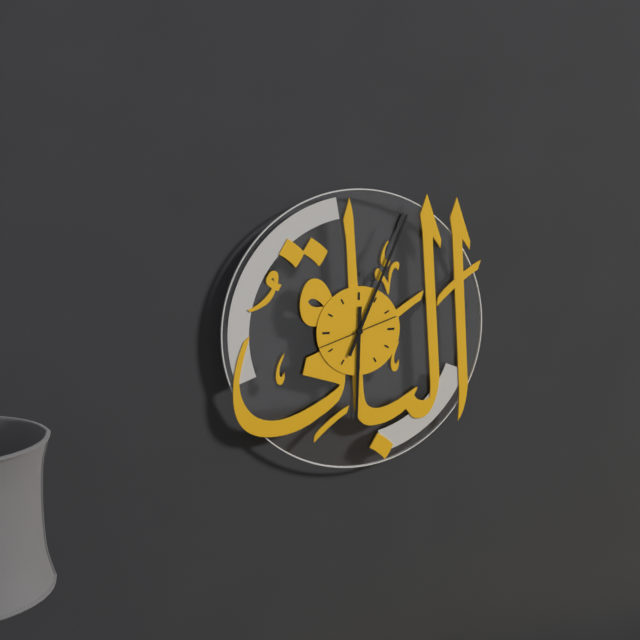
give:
6.04.42
